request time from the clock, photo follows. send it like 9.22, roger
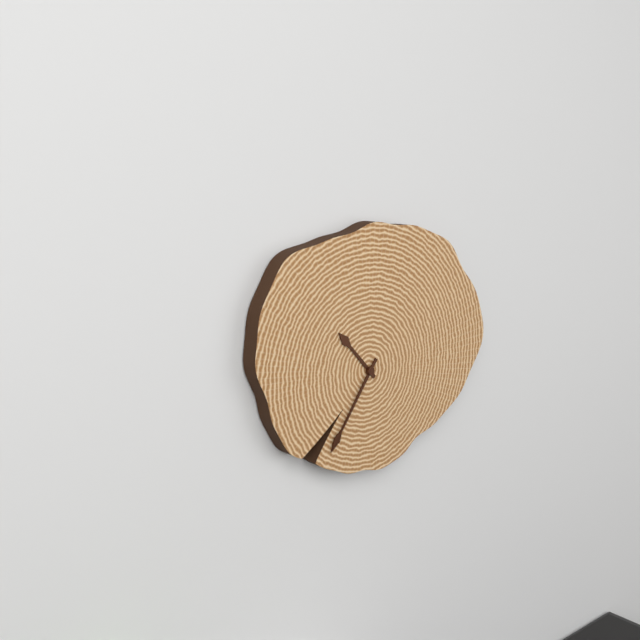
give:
10.36
